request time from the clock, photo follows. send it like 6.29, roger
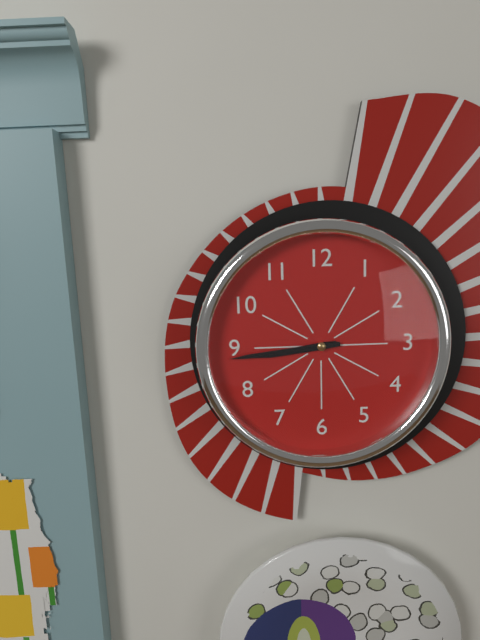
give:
8.44
